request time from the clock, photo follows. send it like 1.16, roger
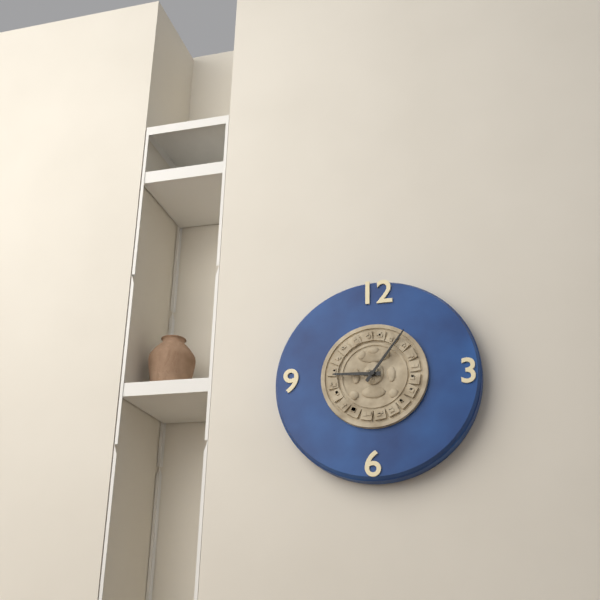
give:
9.06
